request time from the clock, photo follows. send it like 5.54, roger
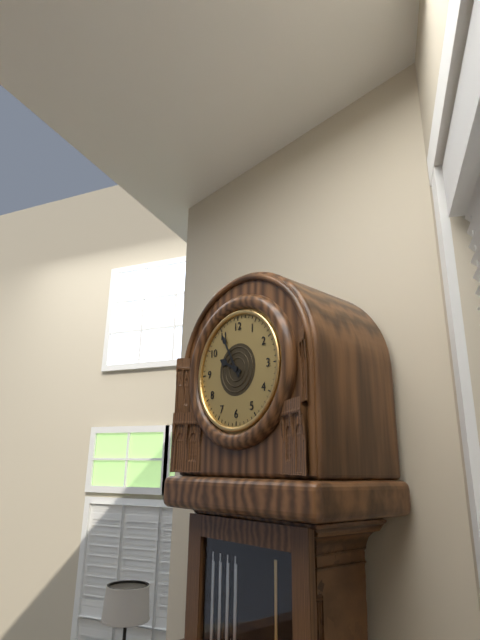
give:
9.55
